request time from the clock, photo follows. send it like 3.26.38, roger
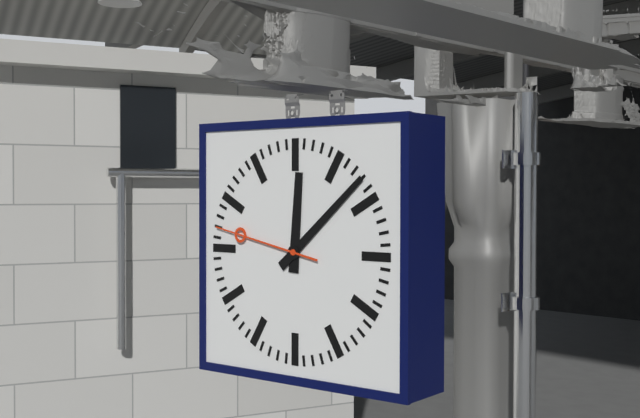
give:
12.08.47
